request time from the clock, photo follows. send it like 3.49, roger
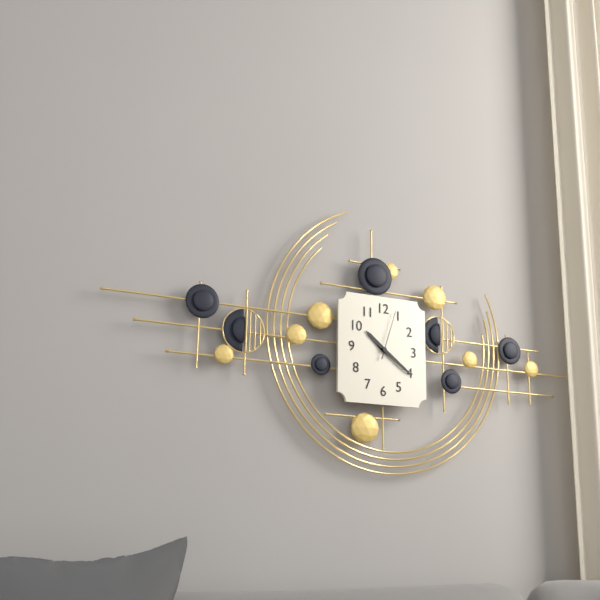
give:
10.21
